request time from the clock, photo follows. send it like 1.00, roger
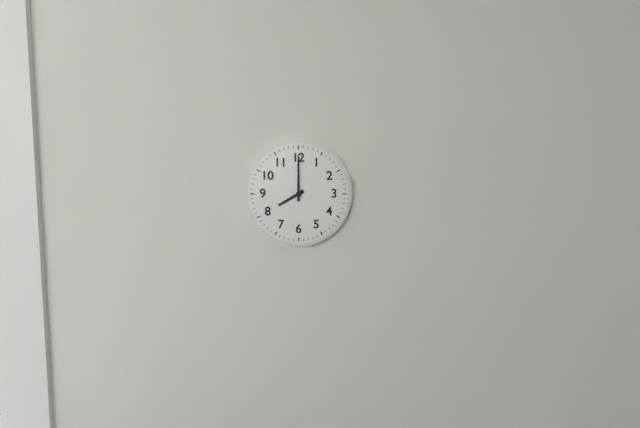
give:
8.00
